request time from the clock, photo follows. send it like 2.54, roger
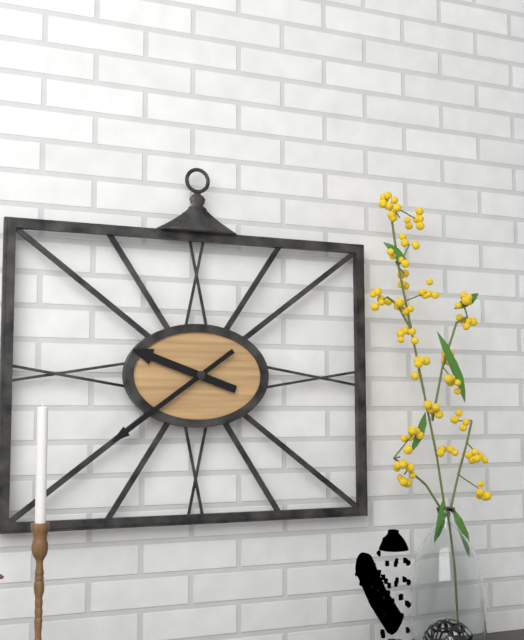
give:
9.39
